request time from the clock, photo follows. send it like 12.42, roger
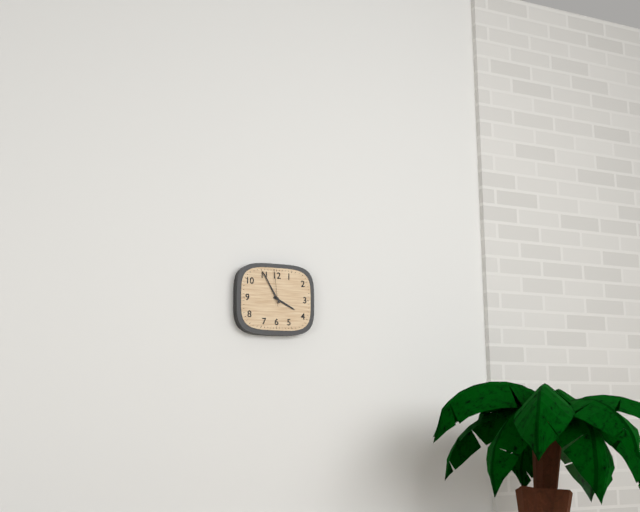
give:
3.55
